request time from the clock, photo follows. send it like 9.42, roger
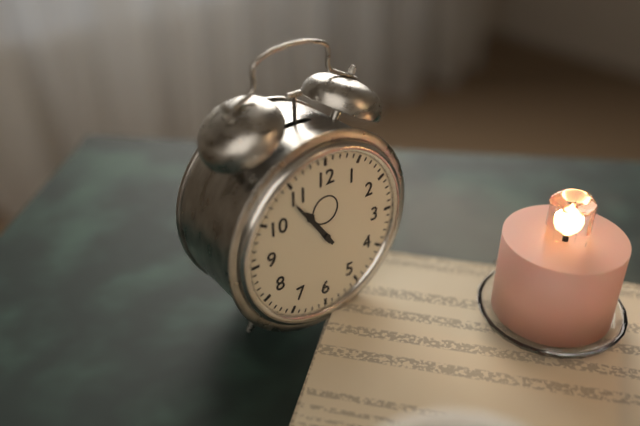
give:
10.54
